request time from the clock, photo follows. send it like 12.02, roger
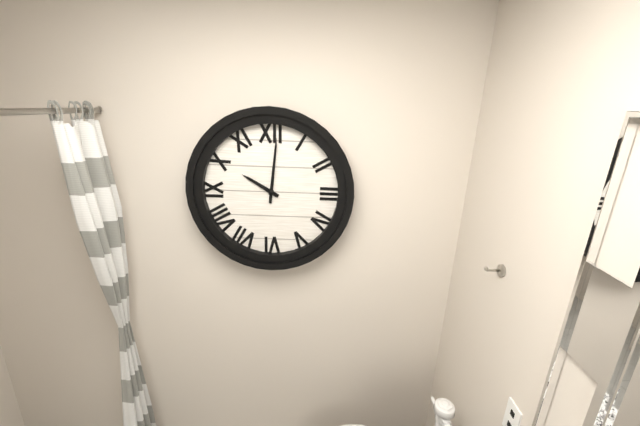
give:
10.01
